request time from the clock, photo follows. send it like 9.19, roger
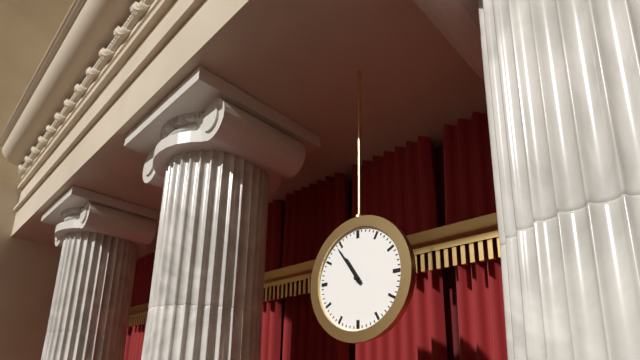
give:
10.54
